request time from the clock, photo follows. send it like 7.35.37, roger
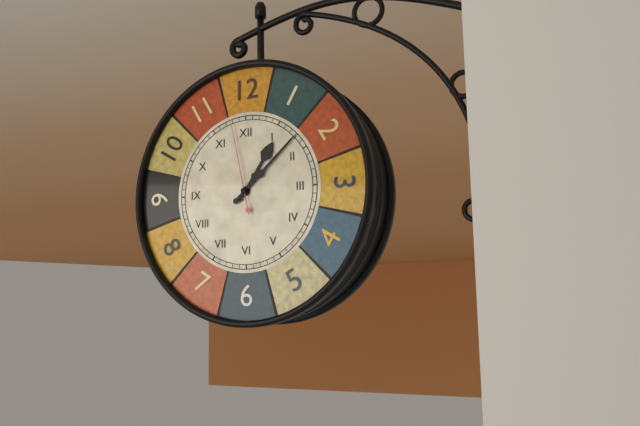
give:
1.08.58
